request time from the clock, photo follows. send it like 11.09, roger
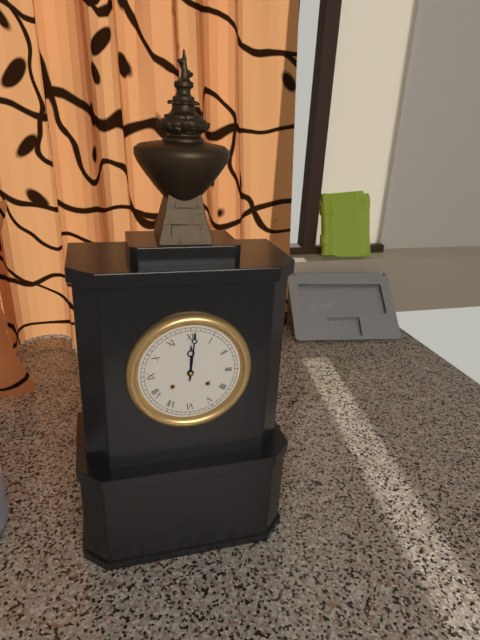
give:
12.01
